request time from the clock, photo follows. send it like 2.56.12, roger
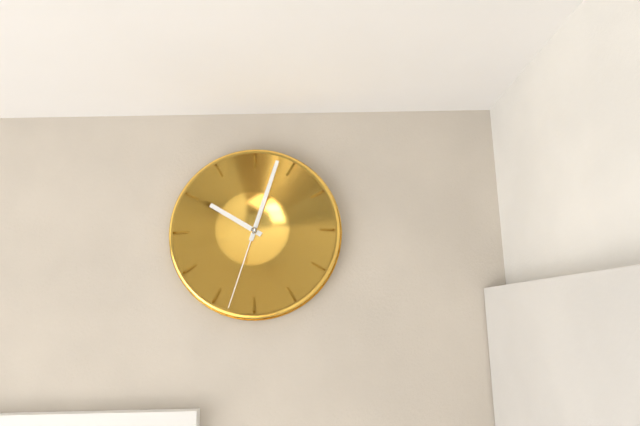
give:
10.03.33
